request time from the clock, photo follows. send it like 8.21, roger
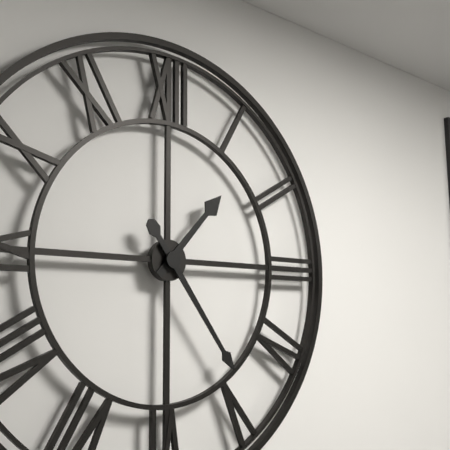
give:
1.24
